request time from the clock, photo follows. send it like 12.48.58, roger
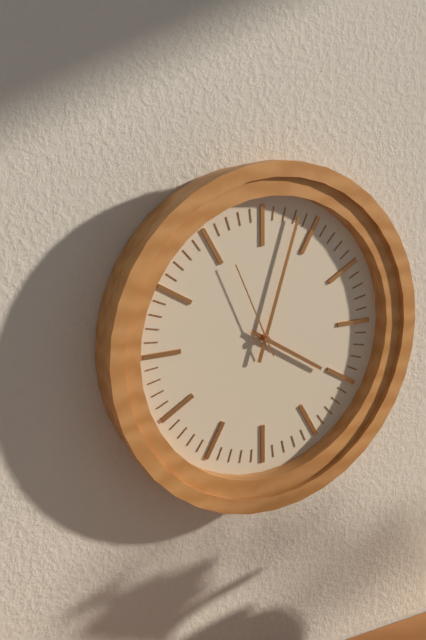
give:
4.03.56
